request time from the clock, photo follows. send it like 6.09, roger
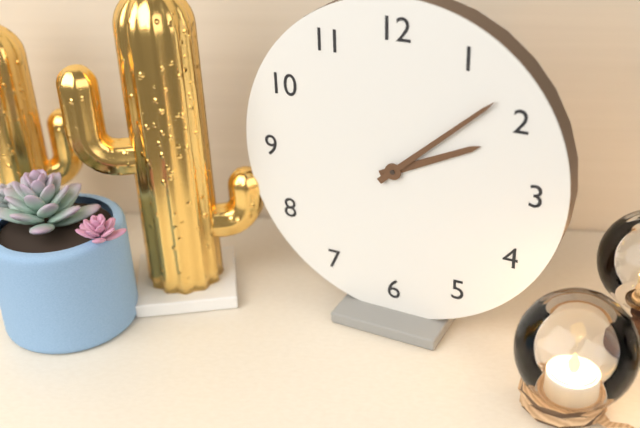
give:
2.08
